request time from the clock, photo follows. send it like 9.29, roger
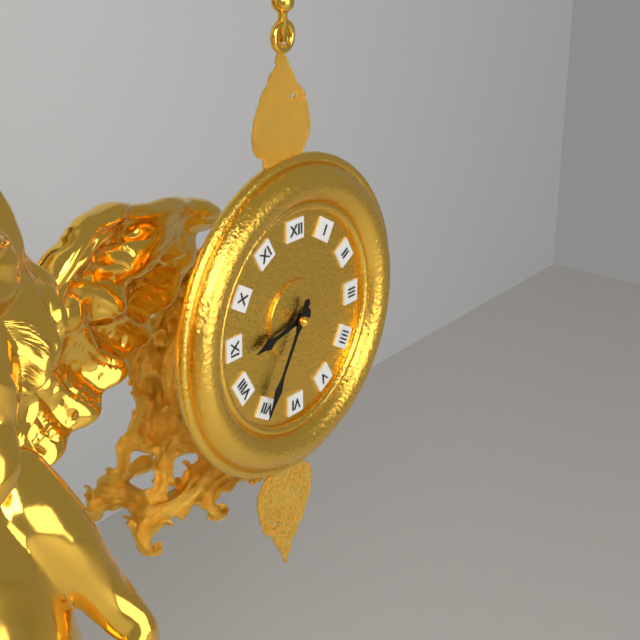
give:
8.35
